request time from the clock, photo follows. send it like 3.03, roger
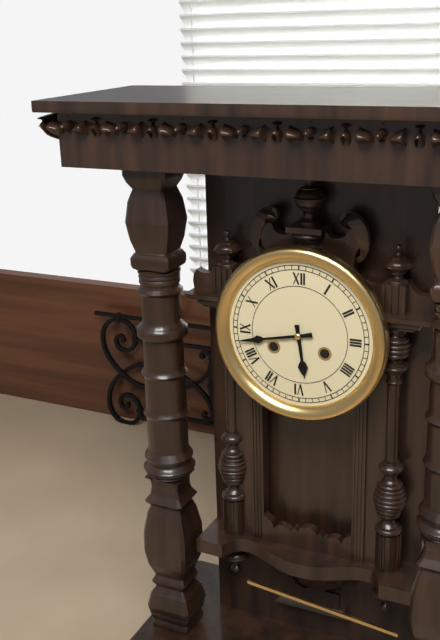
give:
5.43
